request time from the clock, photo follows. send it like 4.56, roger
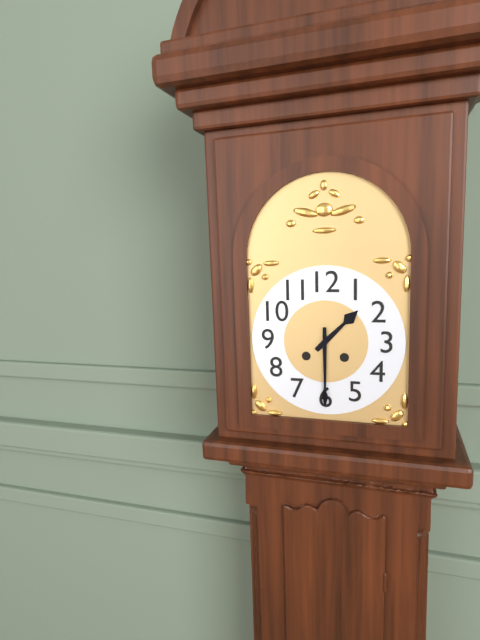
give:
1.30
